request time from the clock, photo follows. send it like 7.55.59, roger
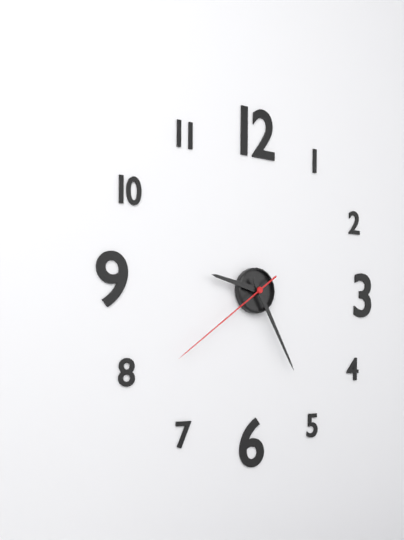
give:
9.25.39
